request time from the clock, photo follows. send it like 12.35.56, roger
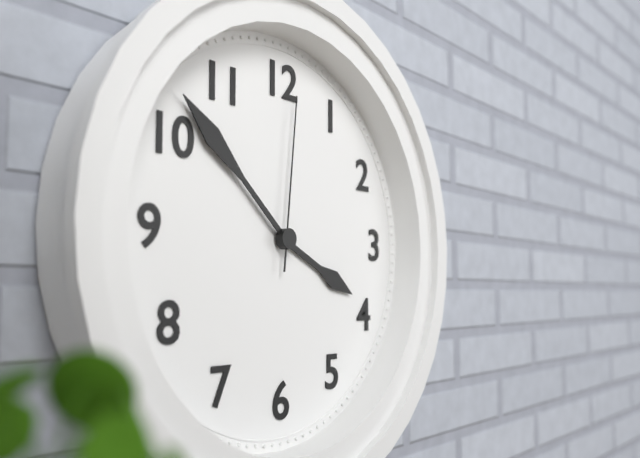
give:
3.52.01
